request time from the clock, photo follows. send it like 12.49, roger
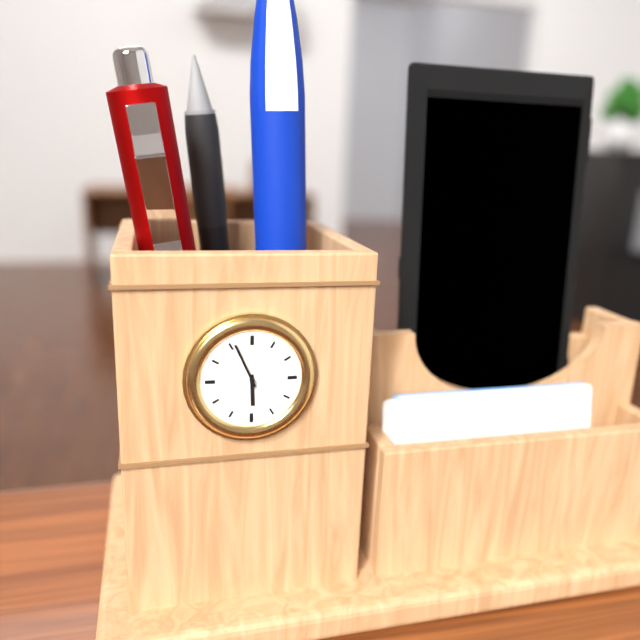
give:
5.56
